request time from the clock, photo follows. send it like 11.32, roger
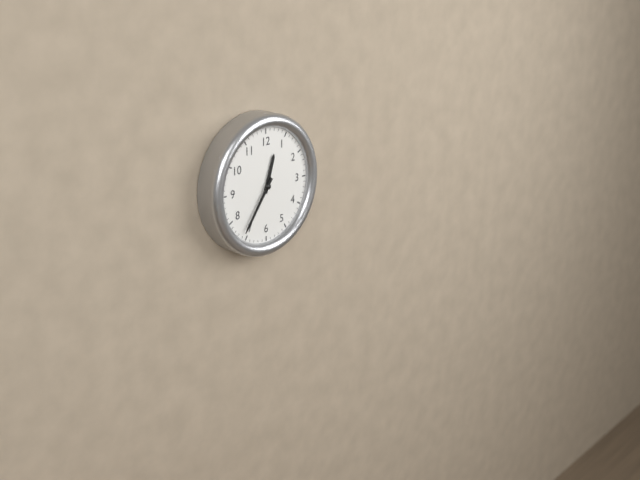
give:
12.36
